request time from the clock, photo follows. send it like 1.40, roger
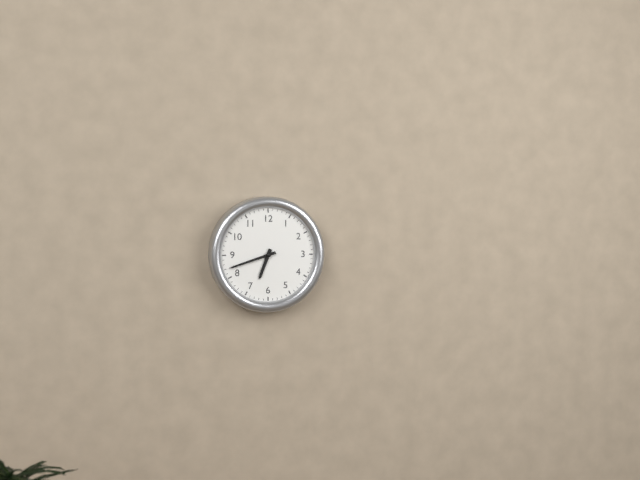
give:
6.42
